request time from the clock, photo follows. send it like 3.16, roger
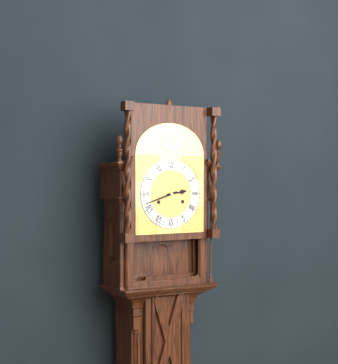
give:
2.42
